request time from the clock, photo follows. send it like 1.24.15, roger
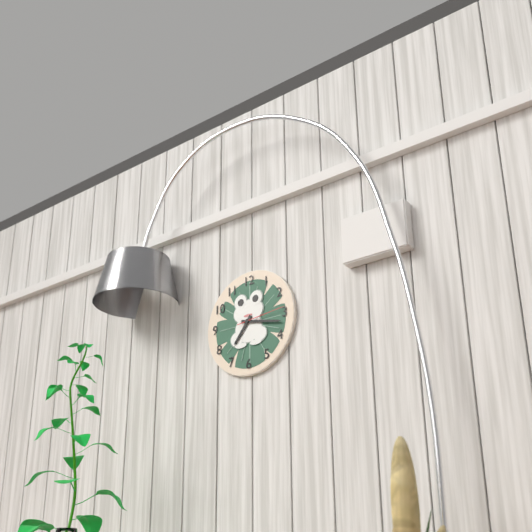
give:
7.17.14
